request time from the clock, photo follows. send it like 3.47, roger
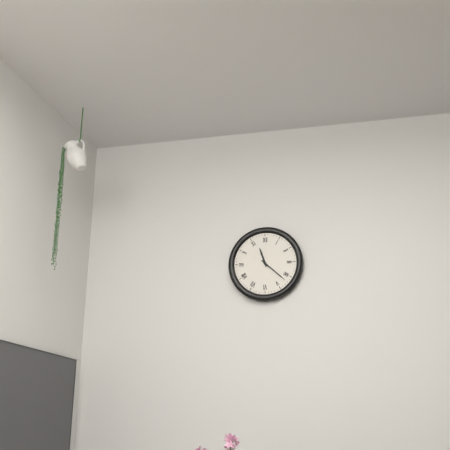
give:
11.22
